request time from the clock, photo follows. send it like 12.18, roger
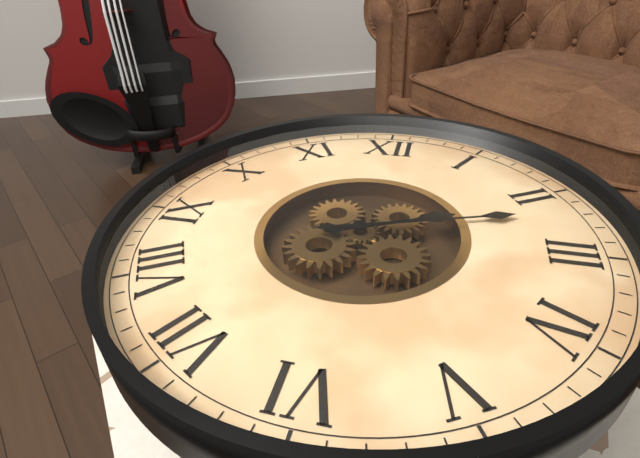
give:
2.12
